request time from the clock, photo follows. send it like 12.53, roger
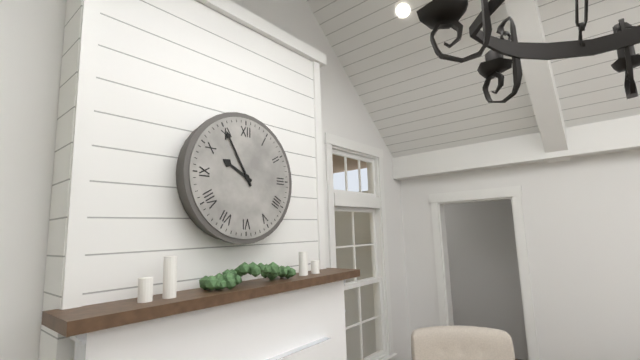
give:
9.55
